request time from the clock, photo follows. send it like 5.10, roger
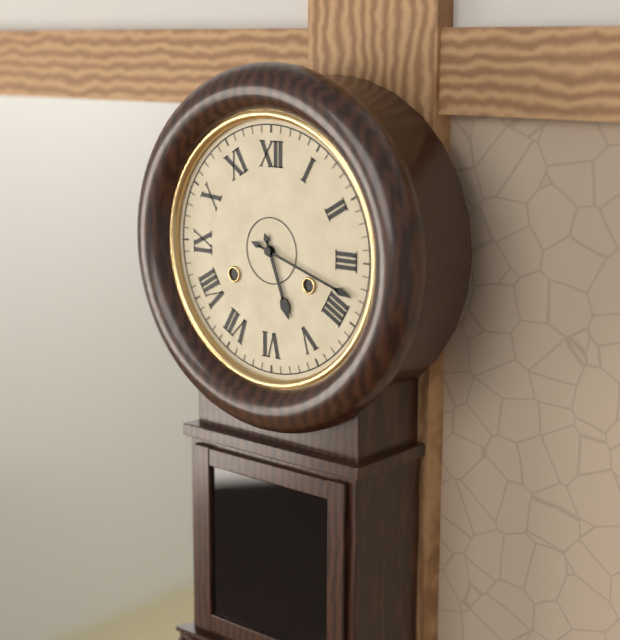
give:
5.18
